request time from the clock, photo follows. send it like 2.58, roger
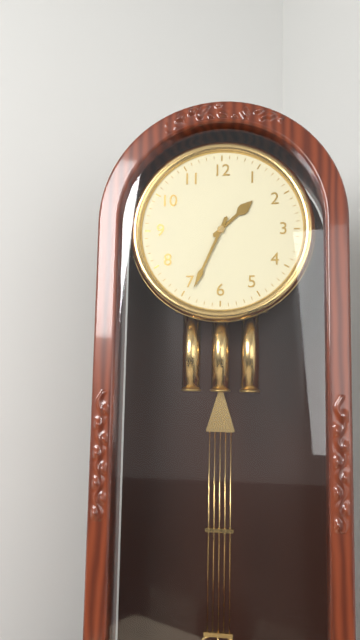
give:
1.34
